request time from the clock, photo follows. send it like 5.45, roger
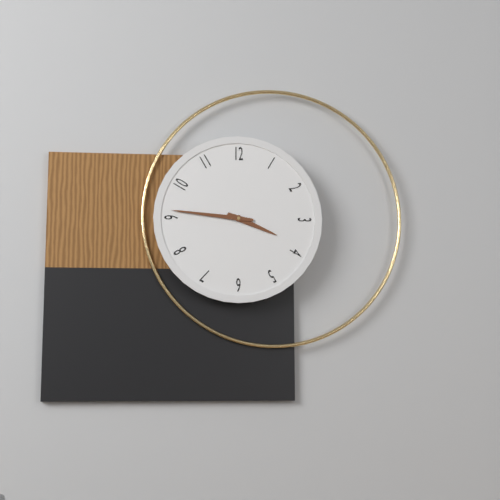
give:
3.46
